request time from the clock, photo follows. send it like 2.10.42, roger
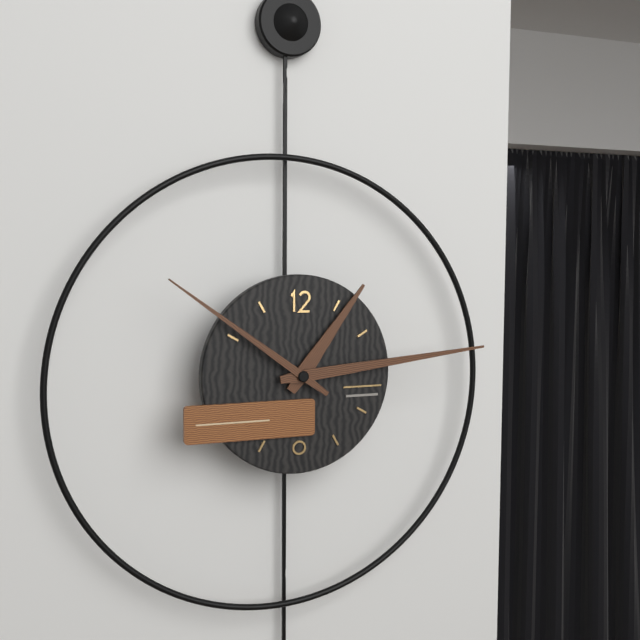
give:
1.14.51
